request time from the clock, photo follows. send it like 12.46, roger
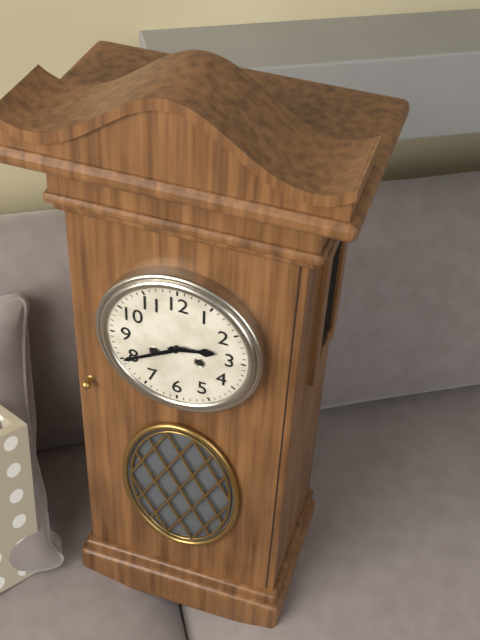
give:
2.40
